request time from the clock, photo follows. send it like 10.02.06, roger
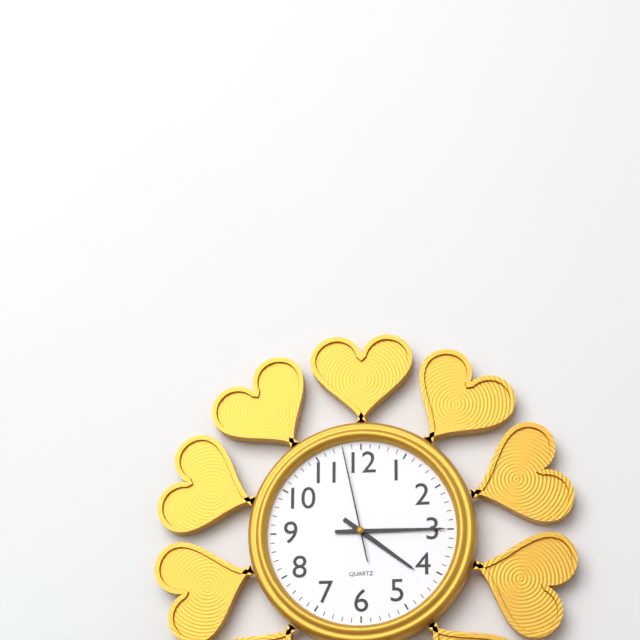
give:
4.15.58
